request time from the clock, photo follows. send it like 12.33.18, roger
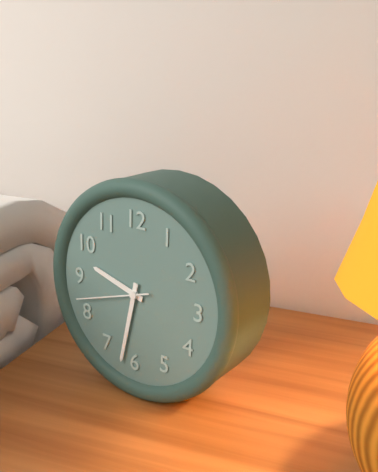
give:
9.32.42
